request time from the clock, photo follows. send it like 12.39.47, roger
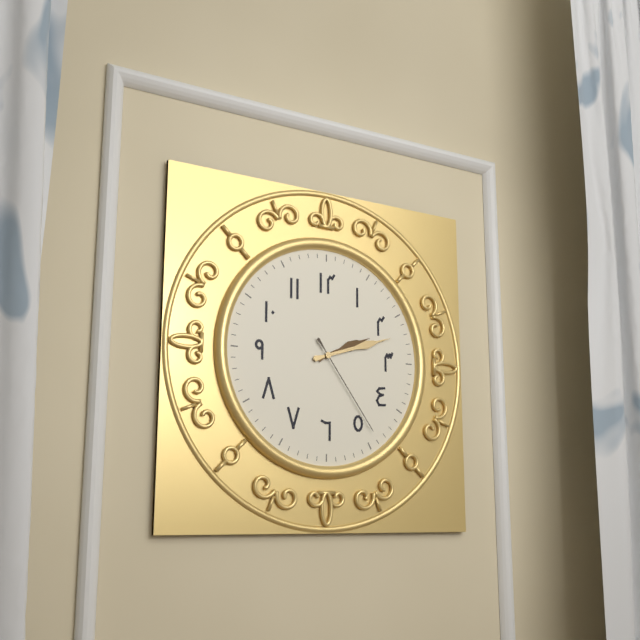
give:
2.12.24
